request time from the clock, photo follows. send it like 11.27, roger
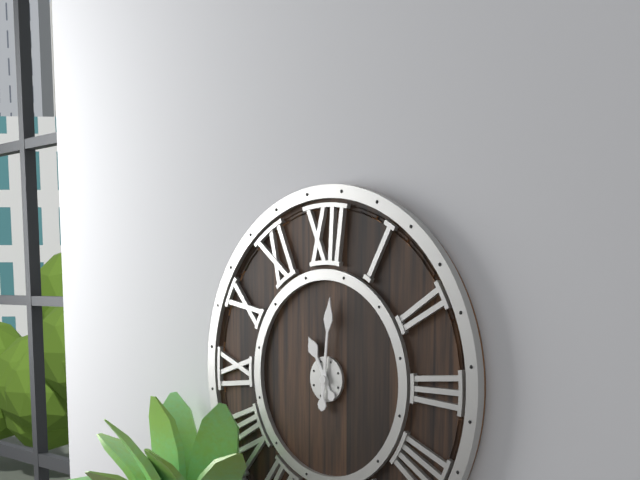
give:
11.01
